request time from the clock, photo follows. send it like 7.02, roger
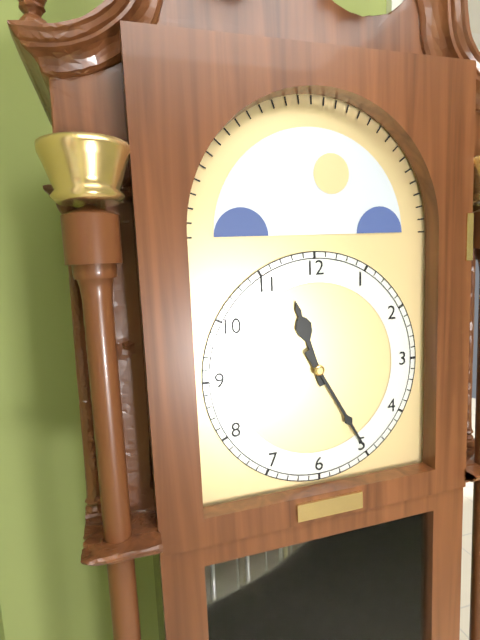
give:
11.25
